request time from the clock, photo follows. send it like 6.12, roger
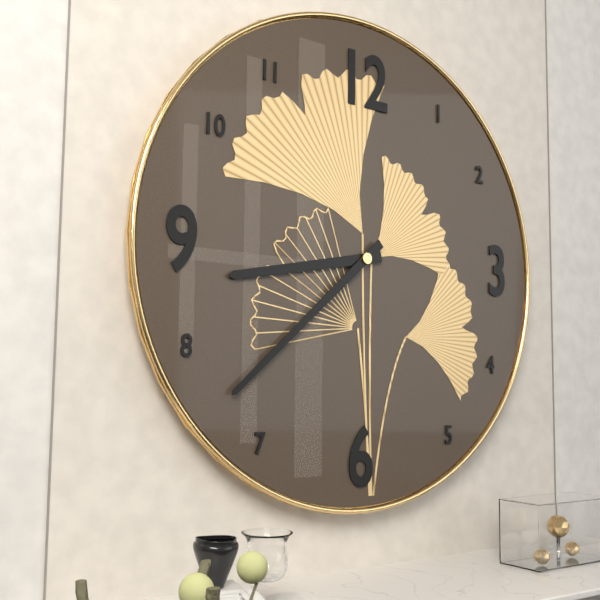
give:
8.38
